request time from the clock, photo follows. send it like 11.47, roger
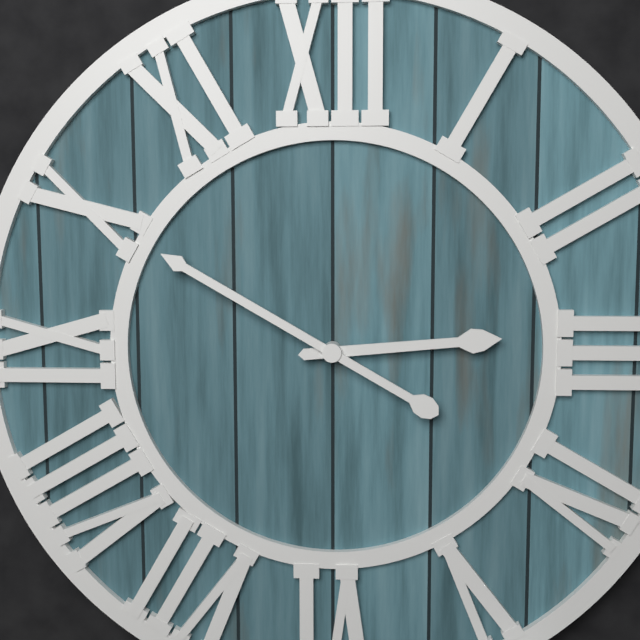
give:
2.50
